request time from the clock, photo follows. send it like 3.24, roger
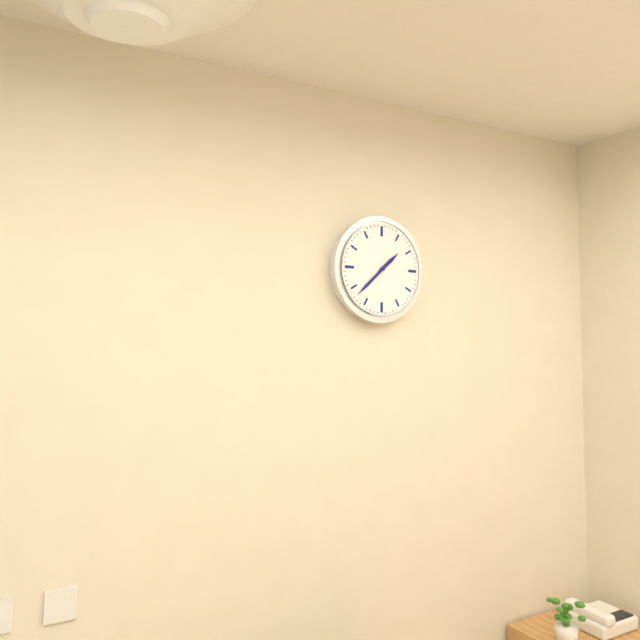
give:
1.38
